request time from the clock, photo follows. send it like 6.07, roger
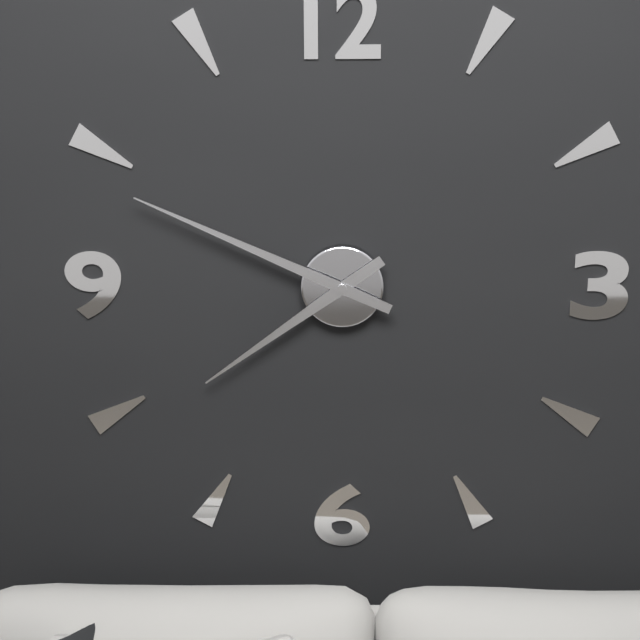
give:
7.49
